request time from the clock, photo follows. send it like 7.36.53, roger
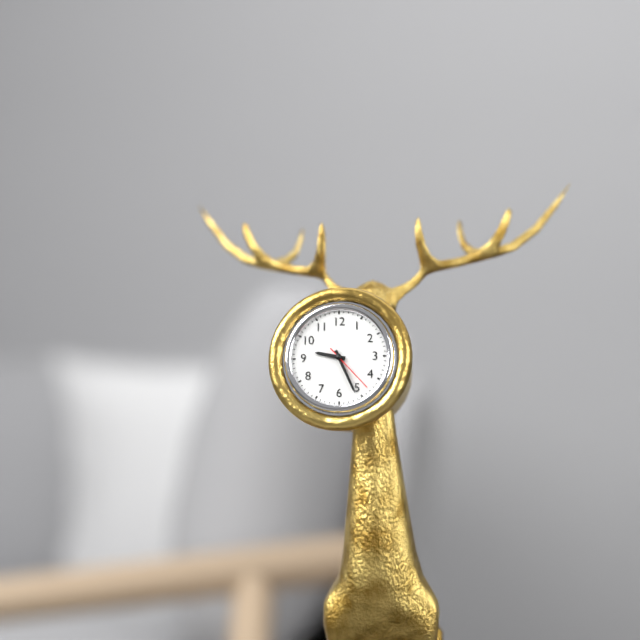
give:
9.26.23
